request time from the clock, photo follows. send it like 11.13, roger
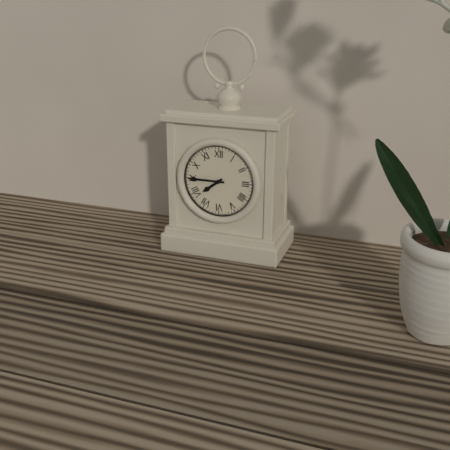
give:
7.45
